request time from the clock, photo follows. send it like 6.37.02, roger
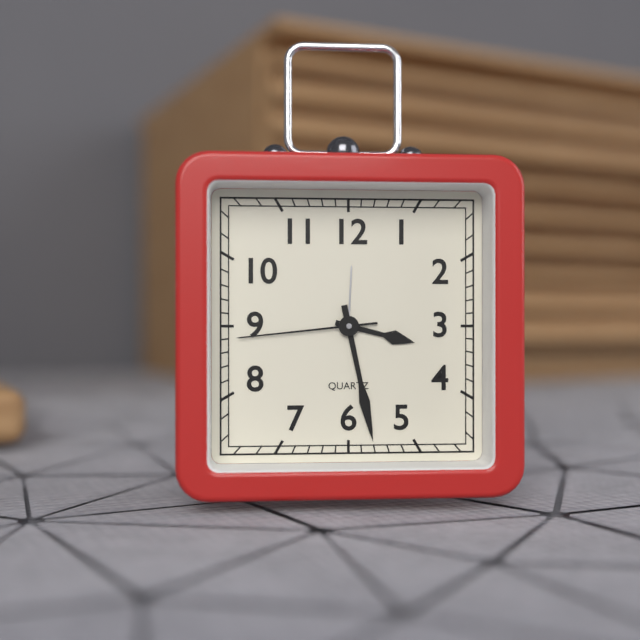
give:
3.28.44
